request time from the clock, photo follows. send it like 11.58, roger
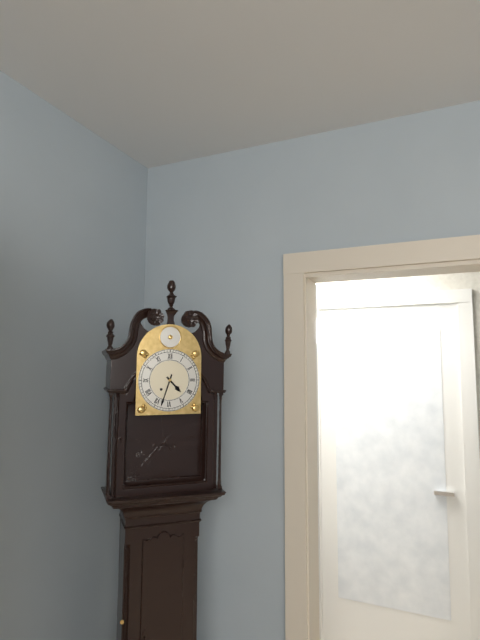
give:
4.33
